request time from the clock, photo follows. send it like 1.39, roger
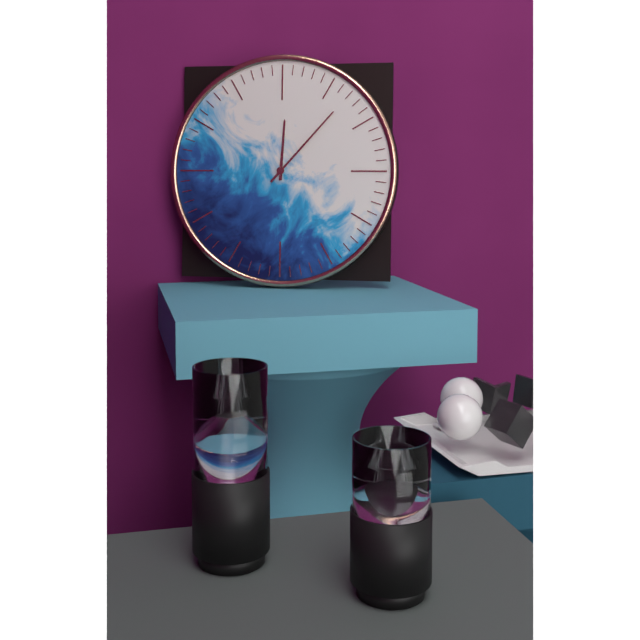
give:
12.07
